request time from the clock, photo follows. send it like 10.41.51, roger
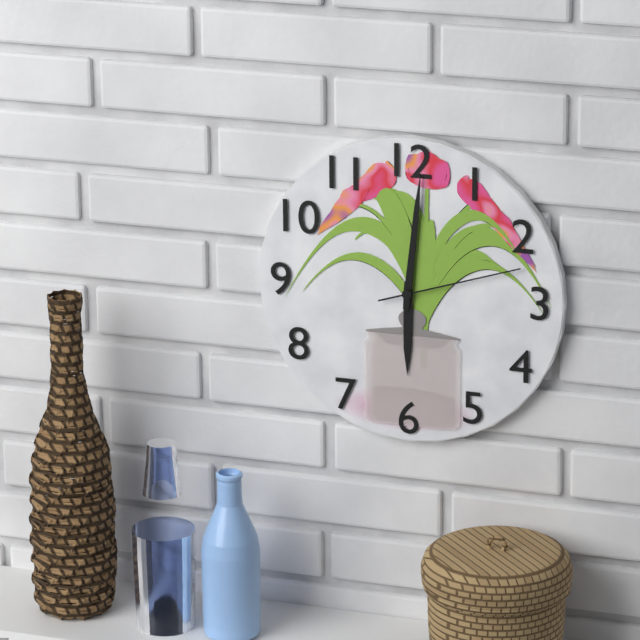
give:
6.01.12
